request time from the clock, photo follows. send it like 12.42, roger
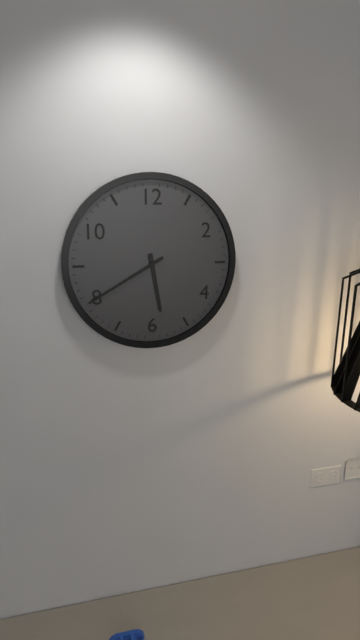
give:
5.40
